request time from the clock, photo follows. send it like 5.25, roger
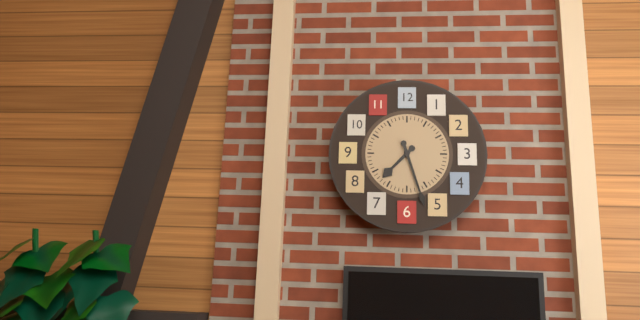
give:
7.27
